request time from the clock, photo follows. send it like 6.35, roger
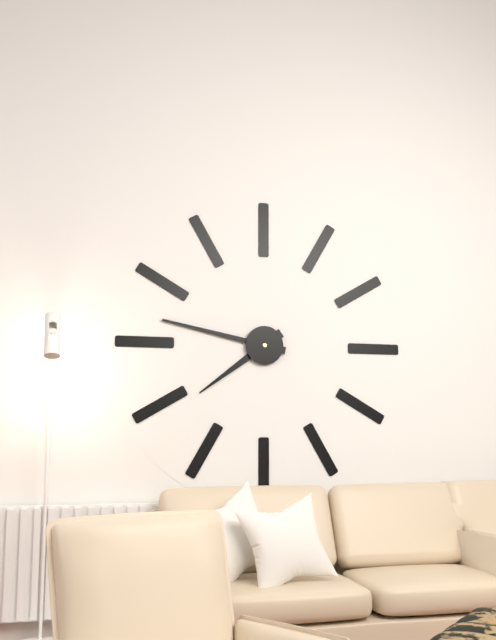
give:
7.47
